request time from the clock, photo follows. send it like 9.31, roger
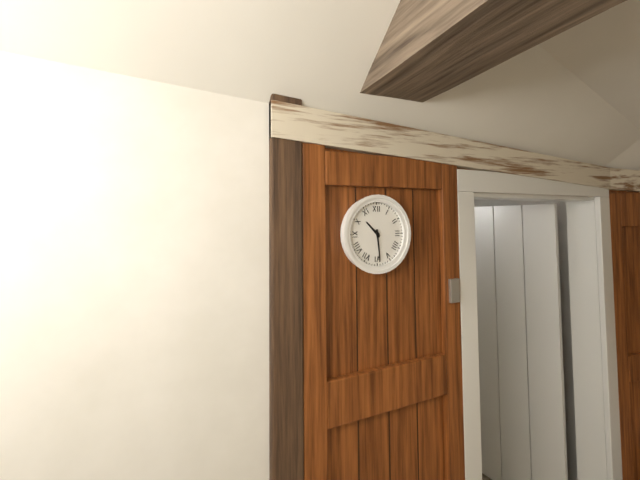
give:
10.29
